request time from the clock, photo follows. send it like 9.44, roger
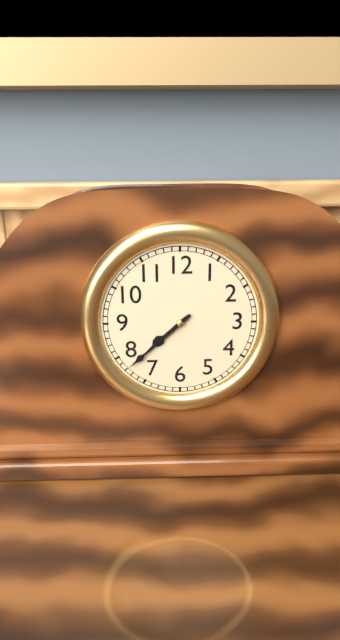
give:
7.38
